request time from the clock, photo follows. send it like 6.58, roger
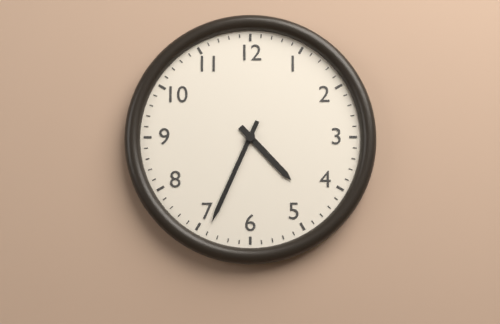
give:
4.34
